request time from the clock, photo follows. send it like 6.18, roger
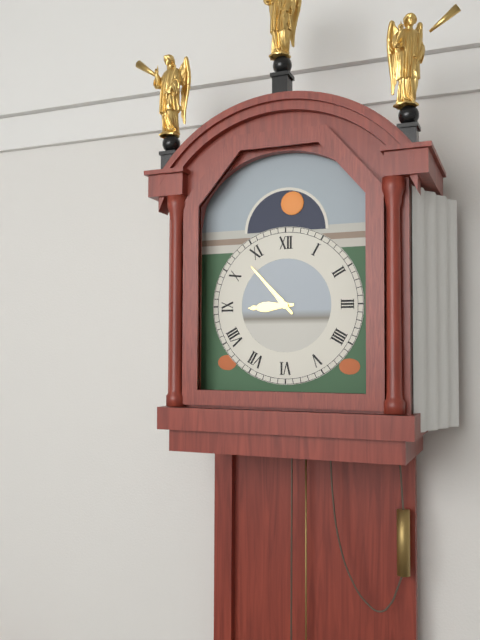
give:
8.53
